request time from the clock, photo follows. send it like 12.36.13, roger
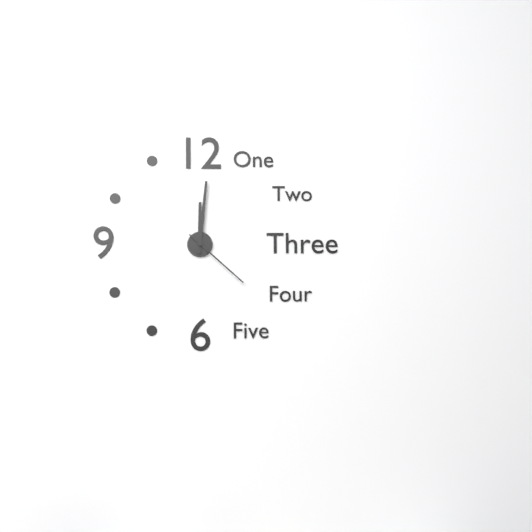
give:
12.01.22
